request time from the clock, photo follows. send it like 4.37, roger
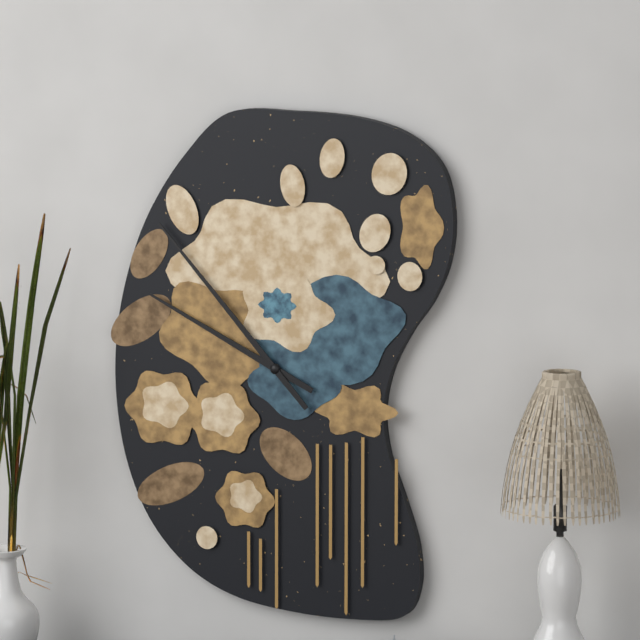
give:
9.53
